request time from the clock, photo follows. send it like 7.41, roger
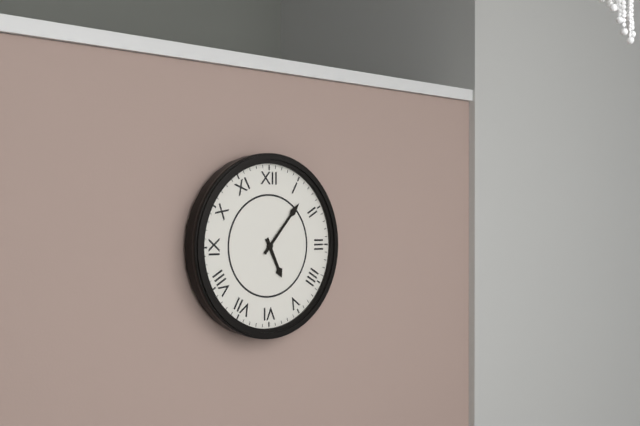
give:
5.07
